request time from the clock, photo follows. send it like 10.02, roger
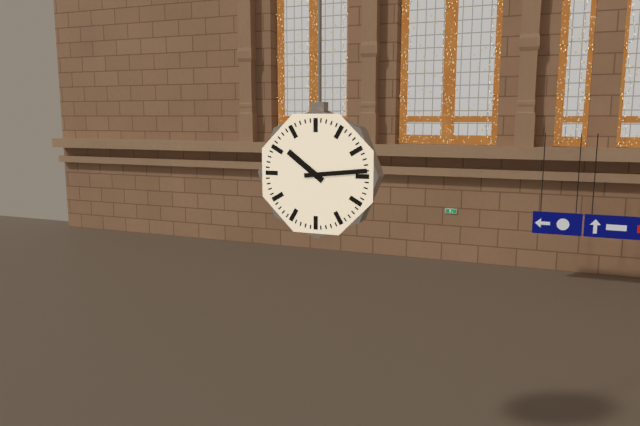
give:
10.14
